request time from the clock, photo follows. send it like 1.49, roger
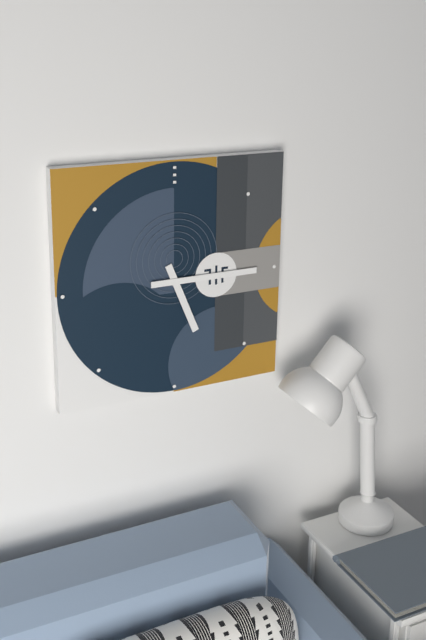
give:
5.15
